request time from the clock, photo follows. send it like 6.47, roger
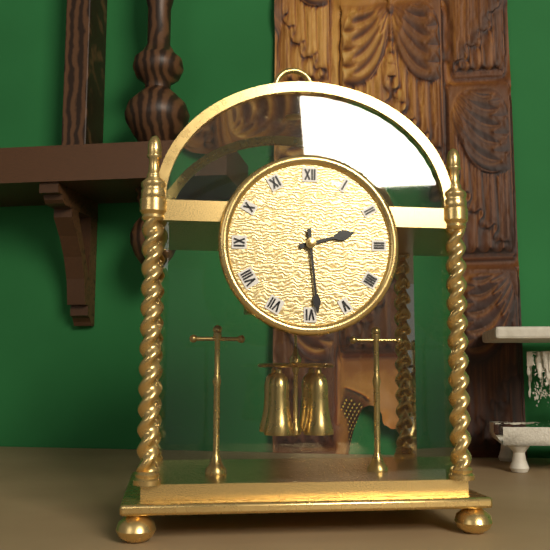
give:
2.29
